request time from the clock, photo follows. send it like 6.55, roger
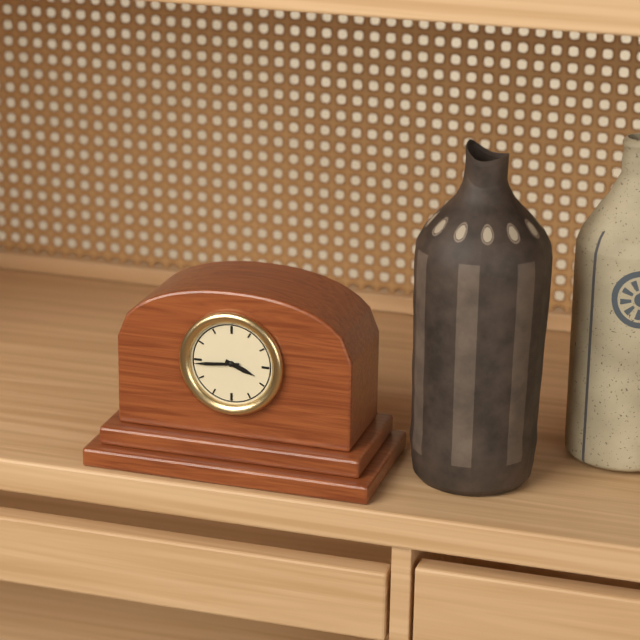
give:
3.44
